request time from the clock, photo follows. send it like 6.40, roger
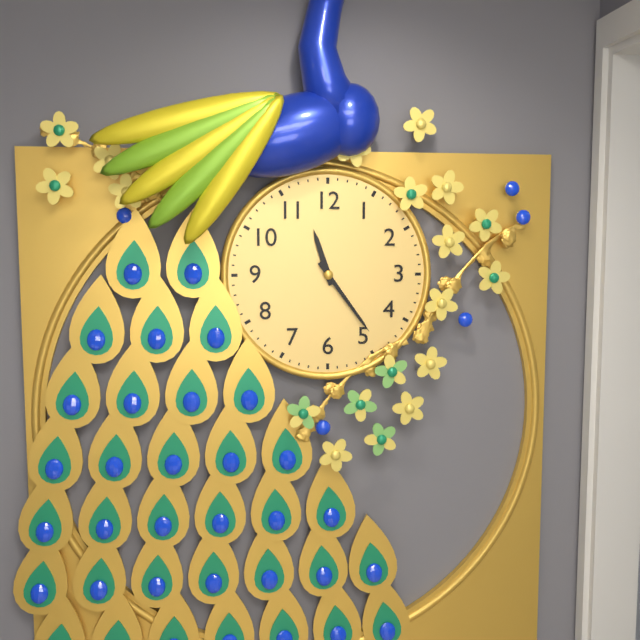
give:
11.24
